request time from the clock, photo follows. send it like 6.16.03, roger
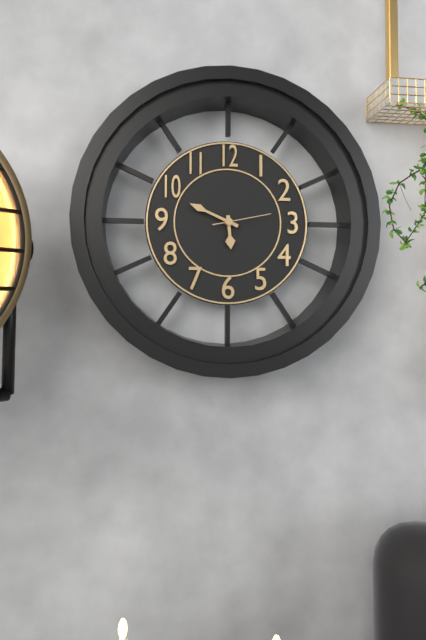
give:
5.49.13
